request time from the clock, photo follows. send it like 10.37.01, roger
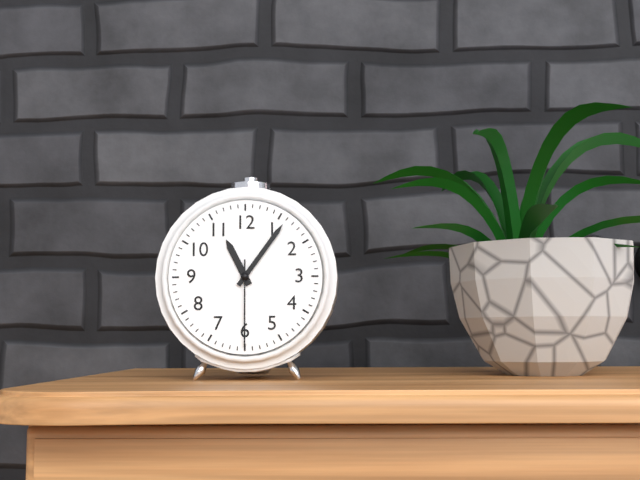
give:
11.06.30
